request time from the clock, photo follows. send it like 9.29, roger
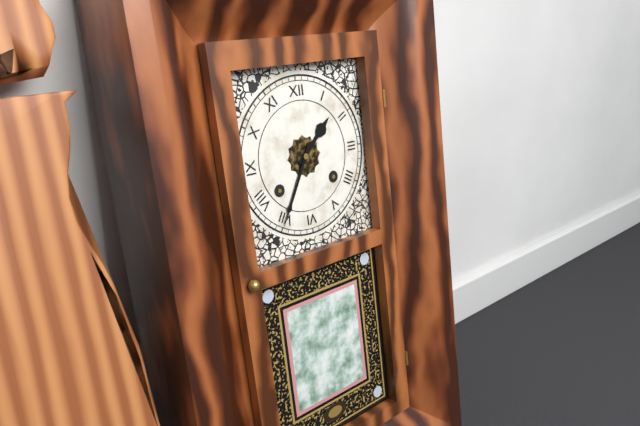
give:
1.35
